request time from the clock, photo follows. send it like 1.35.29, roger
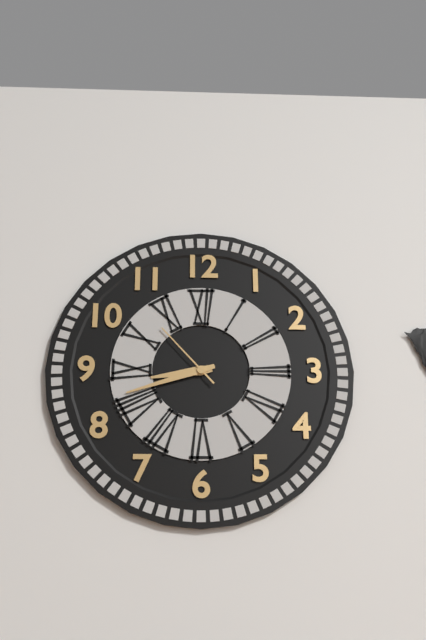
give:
8.42.53
